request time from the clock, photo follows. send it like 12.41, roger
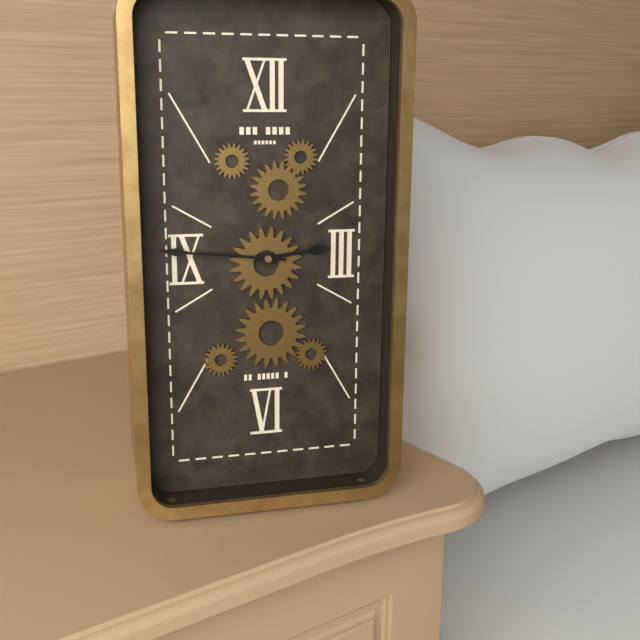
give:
2.46
